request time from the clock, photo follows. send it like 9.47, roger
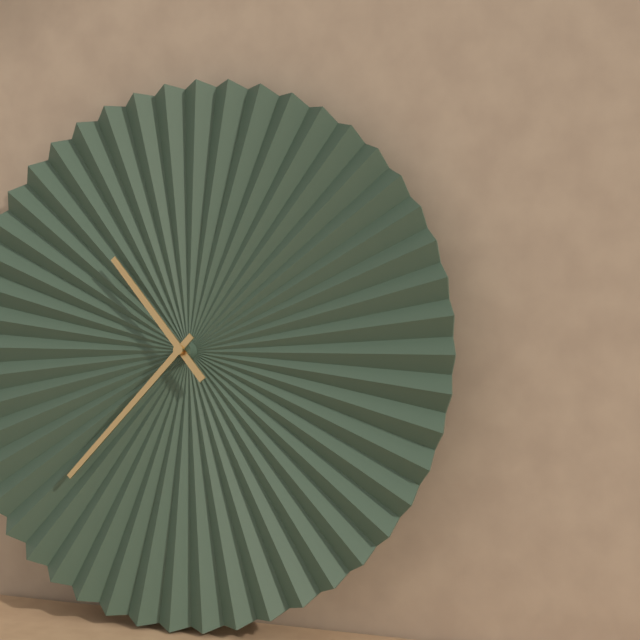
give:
10.37
